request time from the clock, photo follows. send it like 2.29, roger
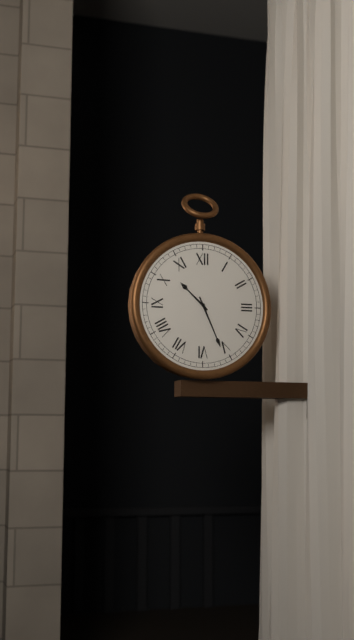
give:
10.26
